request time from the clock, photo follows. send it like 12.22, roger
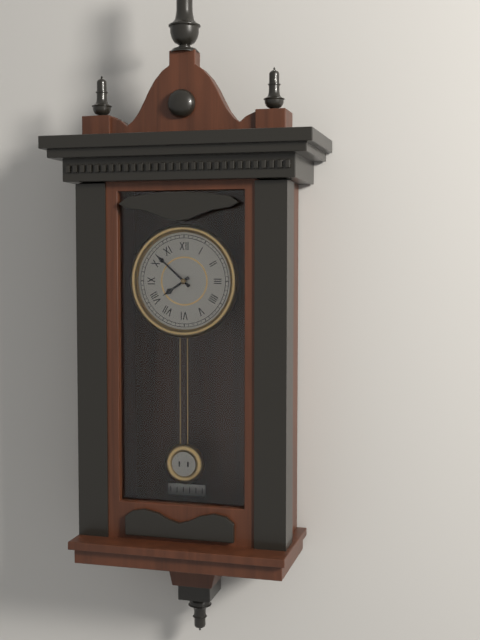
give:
7.52
